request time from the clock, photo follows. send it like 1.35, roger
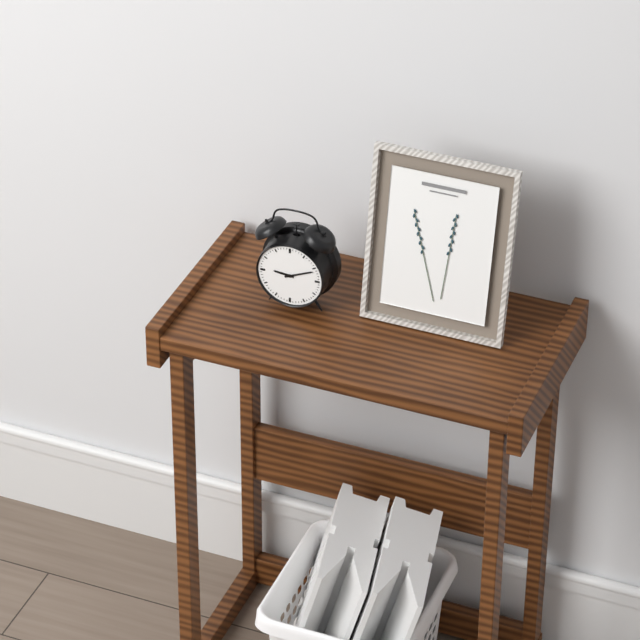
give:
9.11
